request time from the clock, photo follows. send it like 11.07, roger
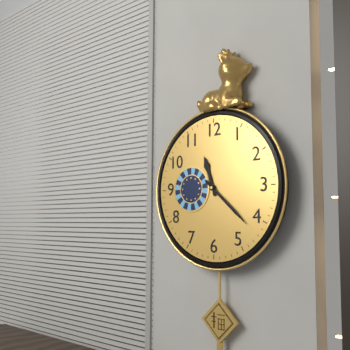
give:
11.22
